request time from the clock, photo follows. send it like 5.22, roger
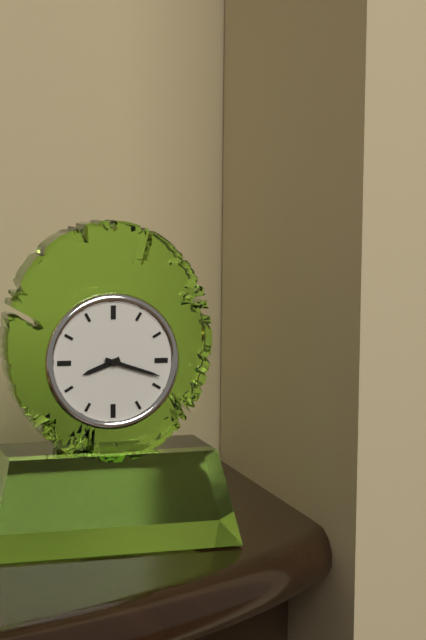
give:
8.18
